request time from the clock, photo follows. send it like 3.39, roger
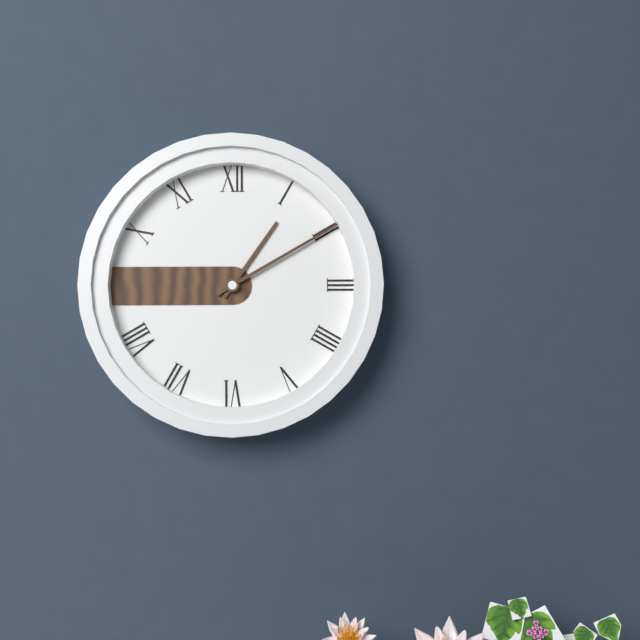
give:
1.10
